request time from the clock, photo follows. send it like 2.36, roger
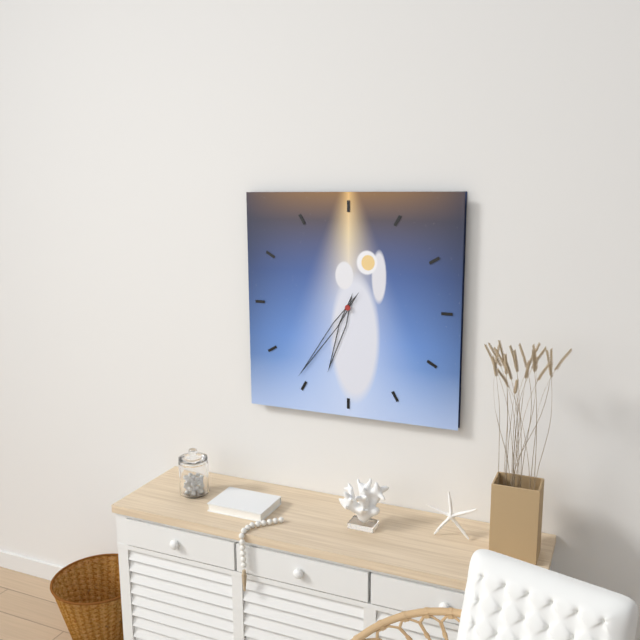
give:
6.36
